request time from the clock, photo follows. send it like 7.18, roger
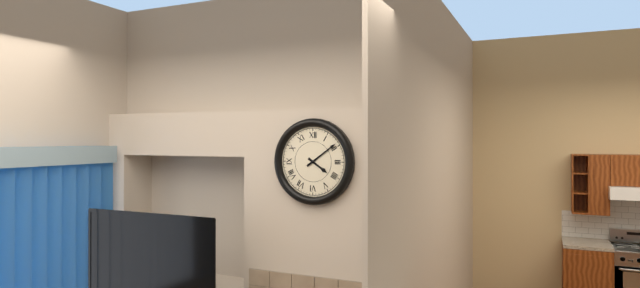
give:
4.09
